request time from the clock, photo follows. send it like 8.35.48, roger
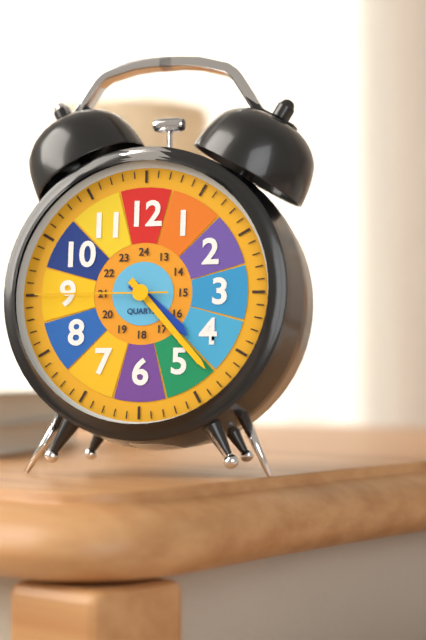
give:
4.23.45
